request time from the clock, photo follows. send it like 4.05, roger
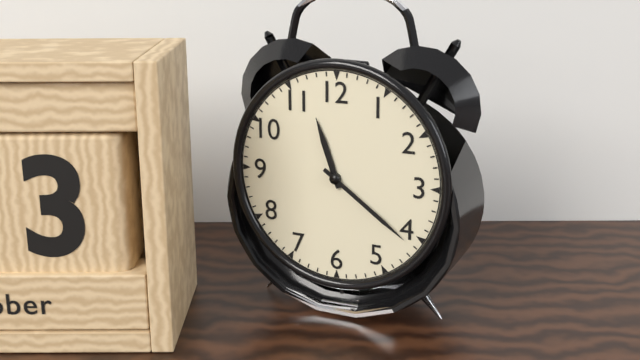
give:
11.21
